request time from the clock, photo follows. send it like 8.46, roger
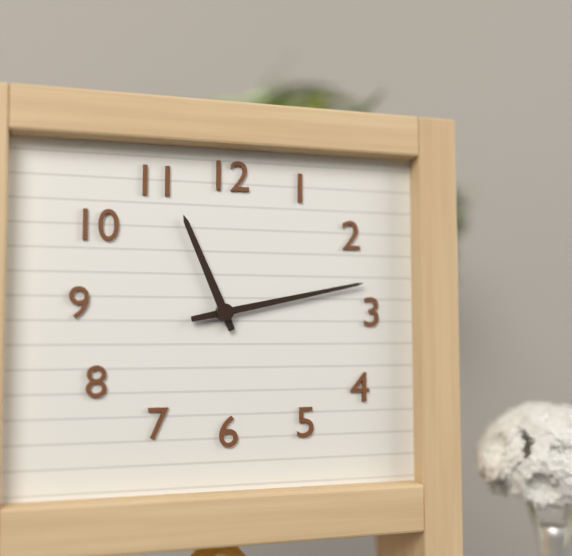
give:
11.13
